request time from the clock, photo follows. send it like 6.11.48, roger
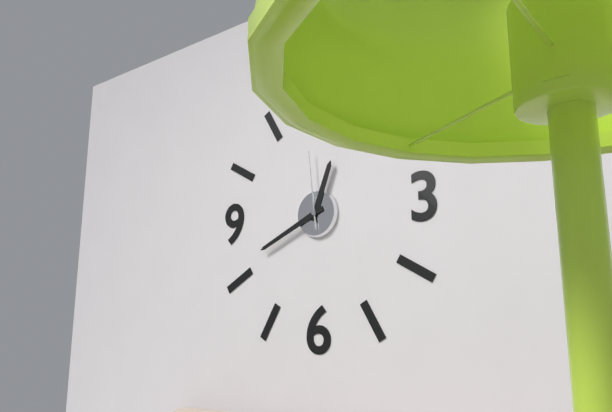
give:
12.41.59
